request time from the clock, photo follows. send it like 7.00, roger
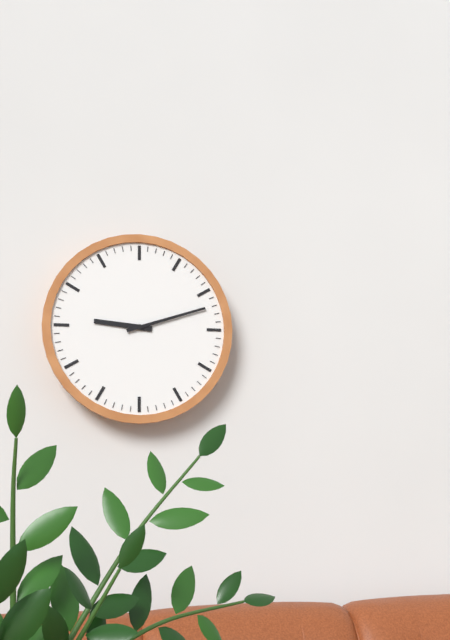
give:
9.12
